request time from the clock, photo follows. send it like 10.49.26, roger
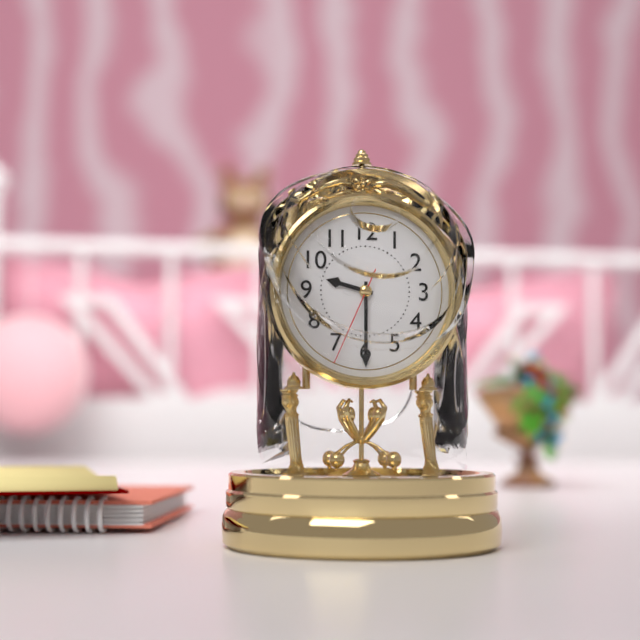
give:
9.30.34
